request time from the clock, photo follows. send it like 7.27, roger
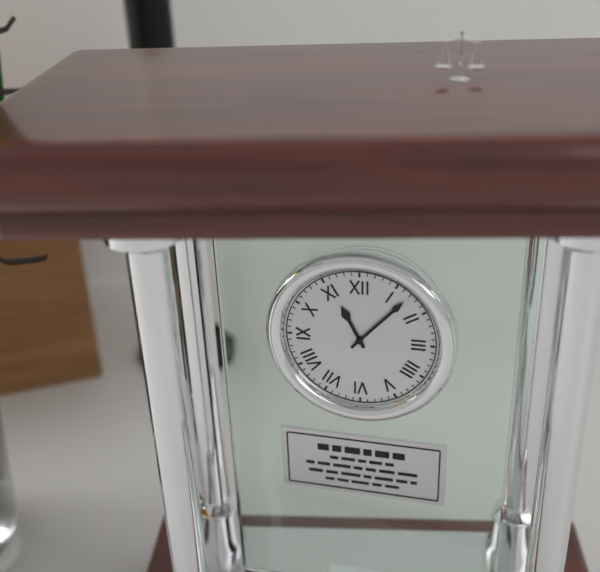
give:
11.07
